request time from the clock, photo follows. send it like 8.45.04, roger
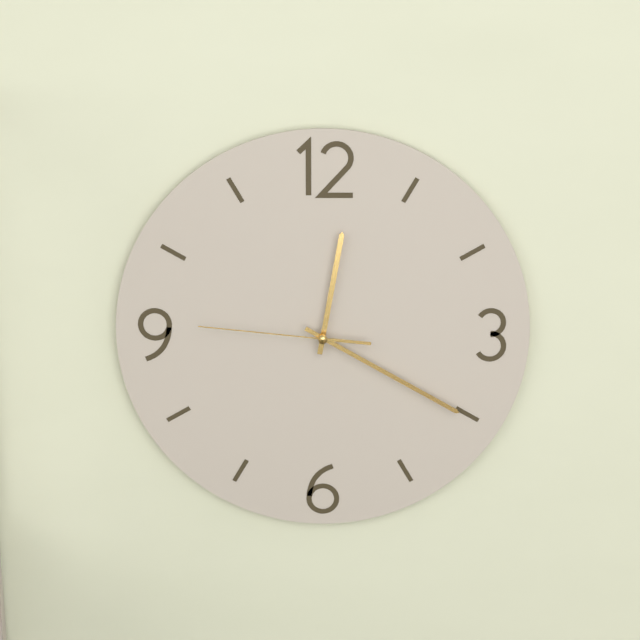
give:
12.20.46
